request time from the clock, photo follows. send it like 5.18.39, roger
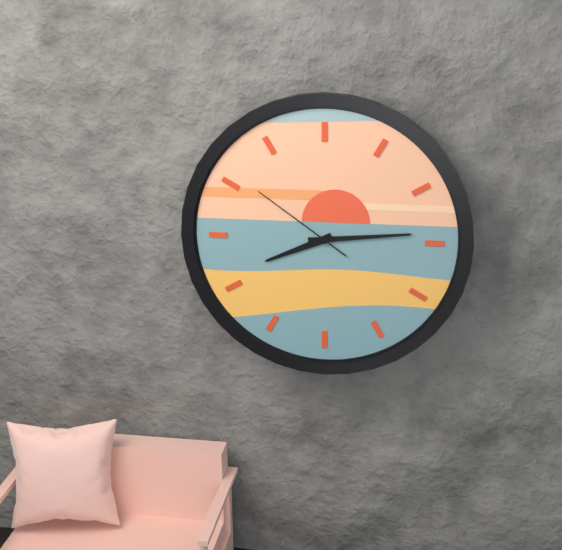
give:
8.14.51
